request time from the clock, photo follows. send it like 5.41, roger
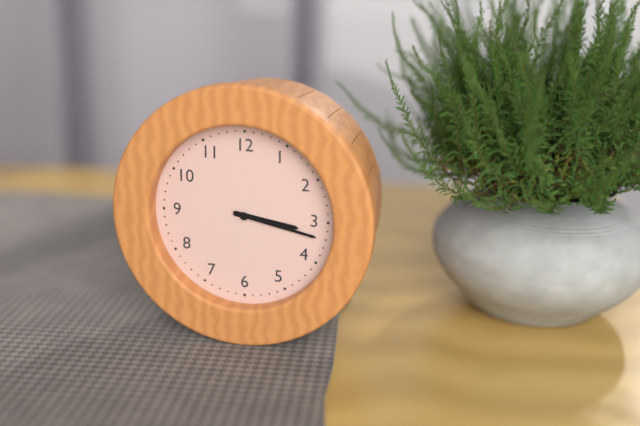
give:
3.17
